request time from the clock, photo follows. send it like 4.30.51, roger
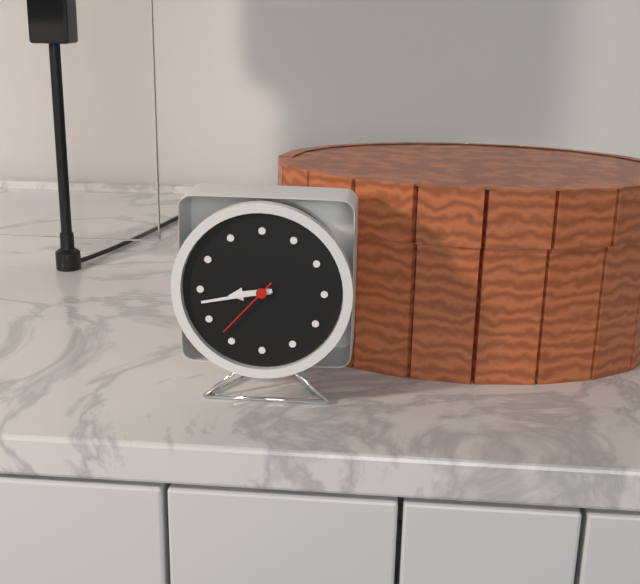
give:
8.43.37
